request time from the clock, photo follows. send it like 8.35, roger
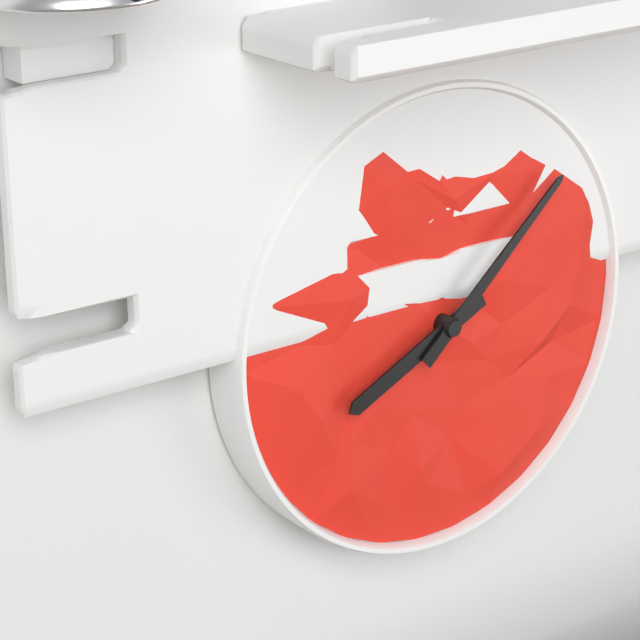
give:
8.08
